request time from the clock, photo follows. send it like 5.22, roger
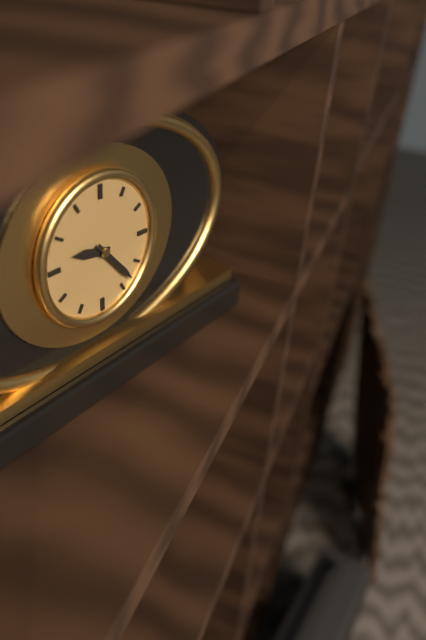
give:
9.23
